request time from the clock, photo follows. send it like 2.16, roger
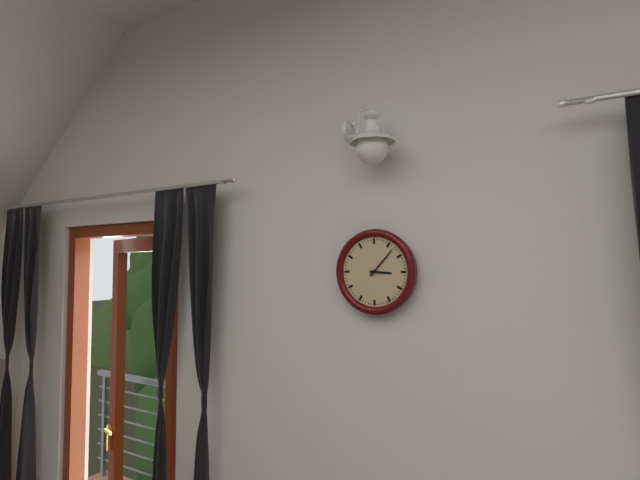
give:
3.07
